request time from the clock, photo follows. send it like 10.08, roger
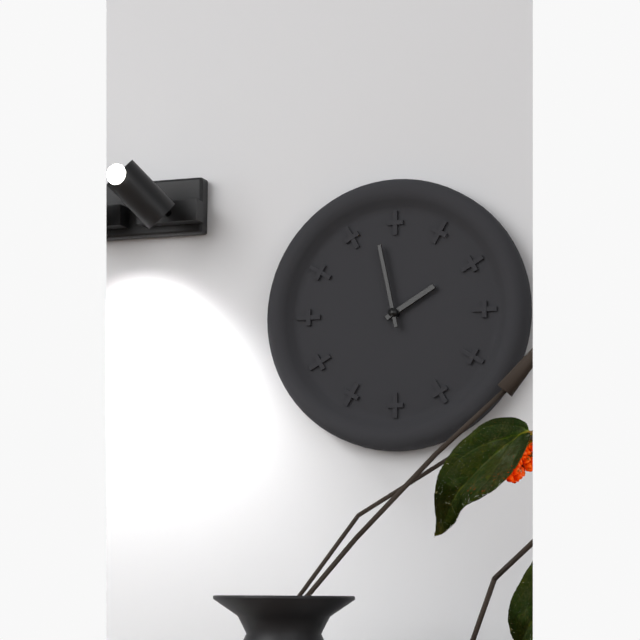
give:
1.58
